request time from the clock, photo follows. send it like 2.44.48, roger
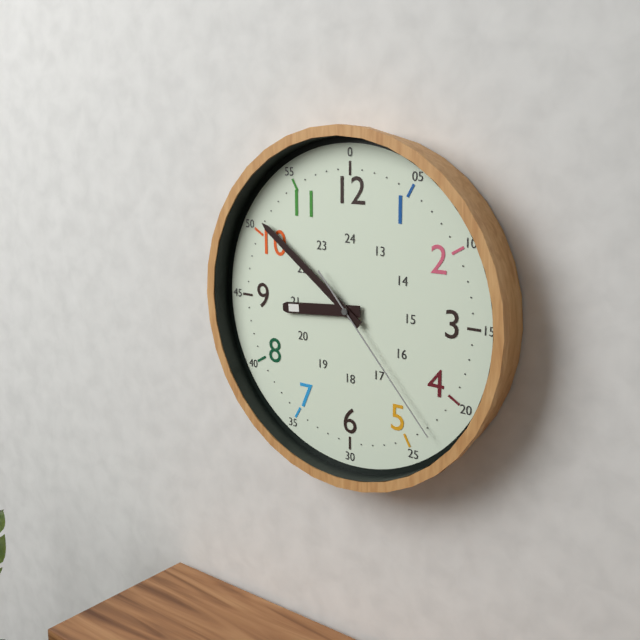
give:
8.51.23
